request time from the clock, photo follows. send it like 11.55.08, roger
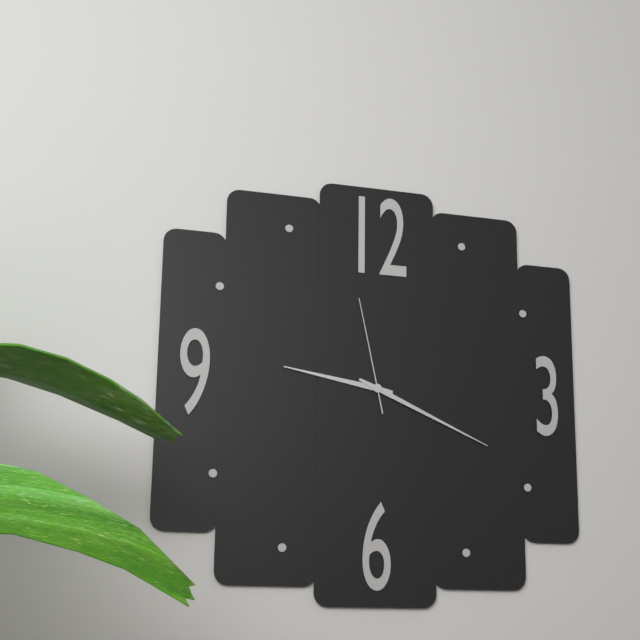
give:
9.19.58
